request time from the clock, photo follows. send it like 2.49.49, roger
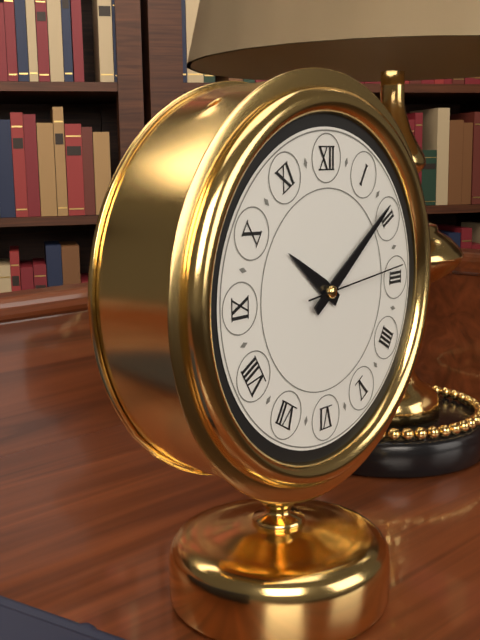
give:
10.09.14
